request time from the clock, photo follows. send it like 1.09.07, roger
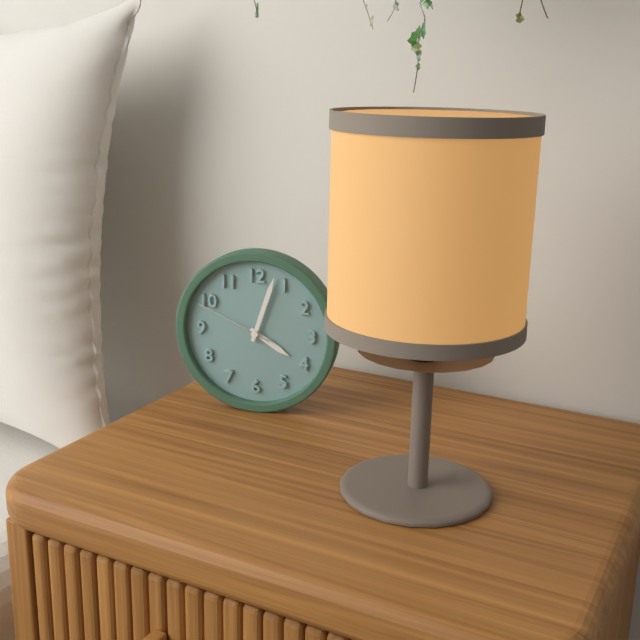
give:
4.03.49
